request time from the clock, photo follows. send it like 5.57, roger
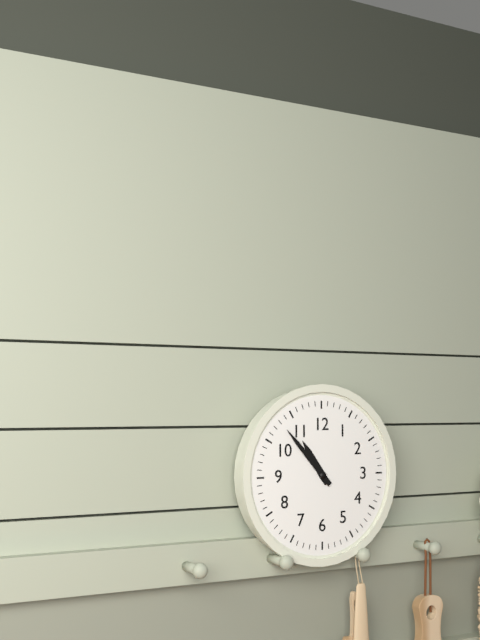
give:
10.53
